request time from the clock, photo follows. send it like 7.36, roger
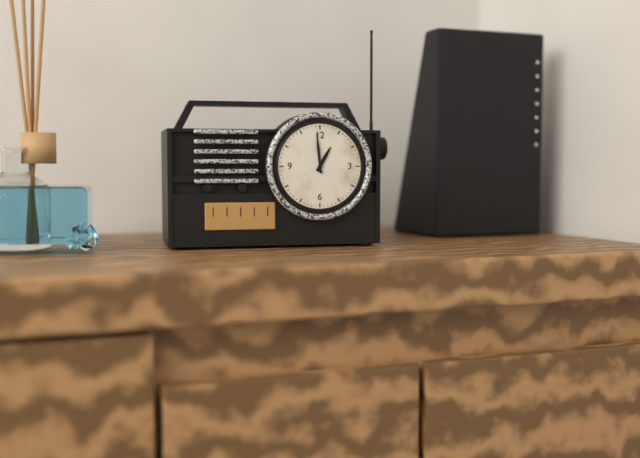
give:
12.59
